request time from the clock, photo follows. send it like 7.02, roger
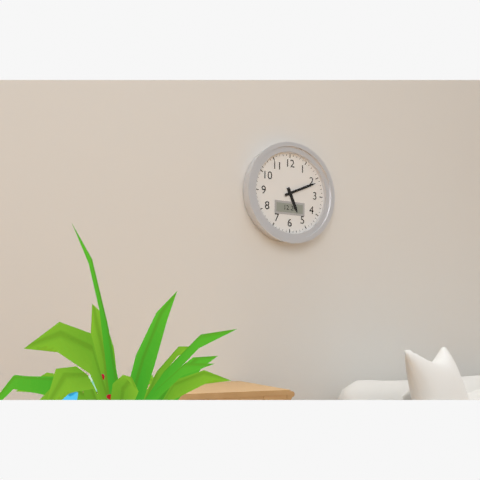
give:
5.11
